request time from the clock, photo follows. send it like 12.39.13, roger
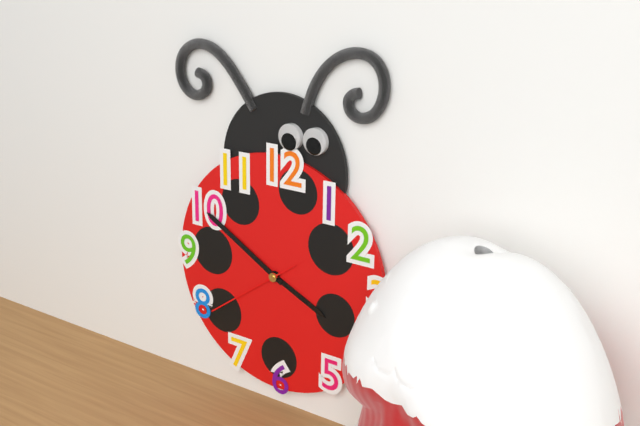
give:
3.50.39
